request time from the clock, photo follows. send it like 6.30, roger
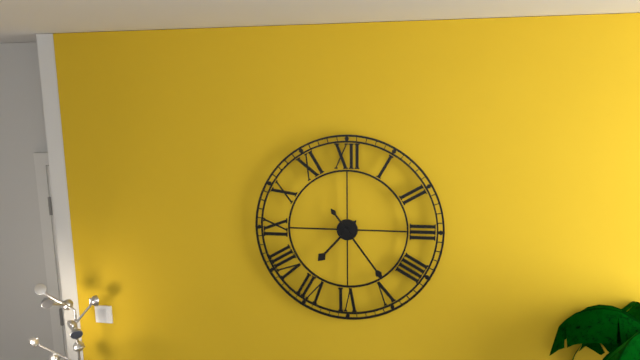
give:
7.24
